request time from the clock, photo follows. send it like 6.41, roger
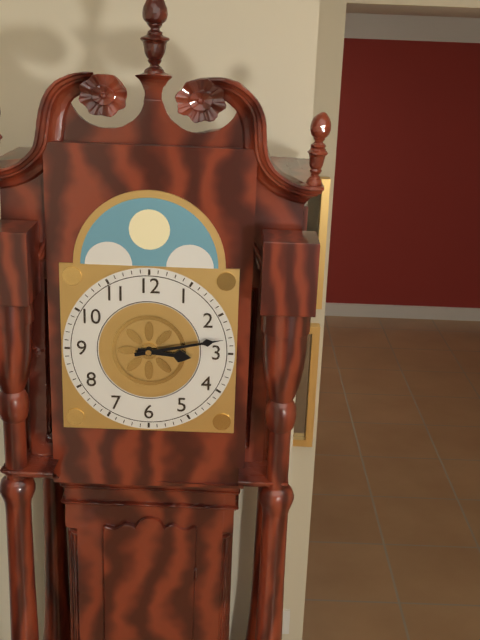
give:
3.13
